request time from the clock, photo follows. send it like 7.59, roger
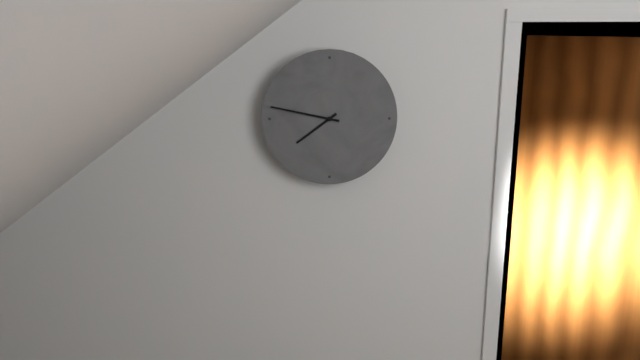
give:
7.47
